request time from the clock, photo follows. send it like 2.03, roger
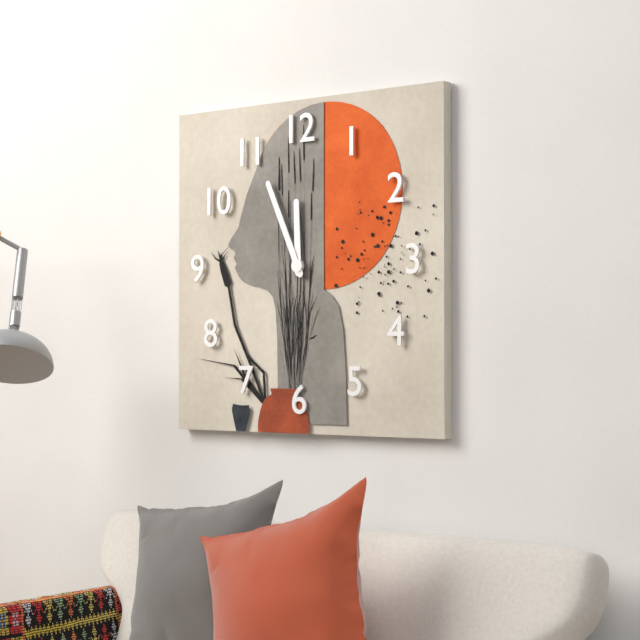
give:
11.56
